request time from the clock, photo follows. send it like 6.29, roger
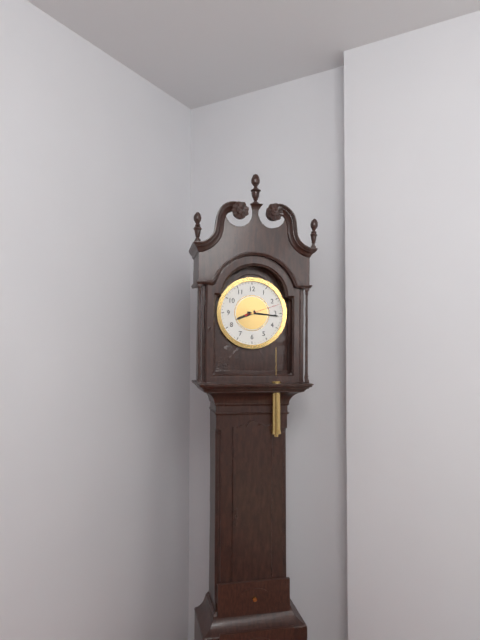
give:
8.16
